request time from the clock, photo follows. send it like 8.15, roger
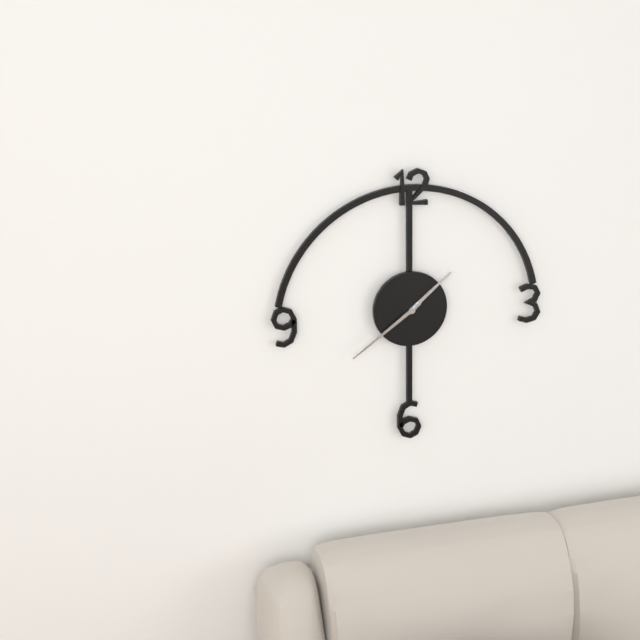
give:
1.39
